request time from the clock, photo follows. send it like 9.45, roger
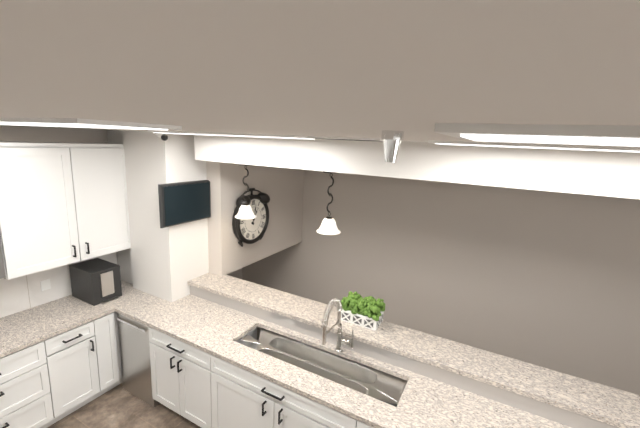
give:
1.02
